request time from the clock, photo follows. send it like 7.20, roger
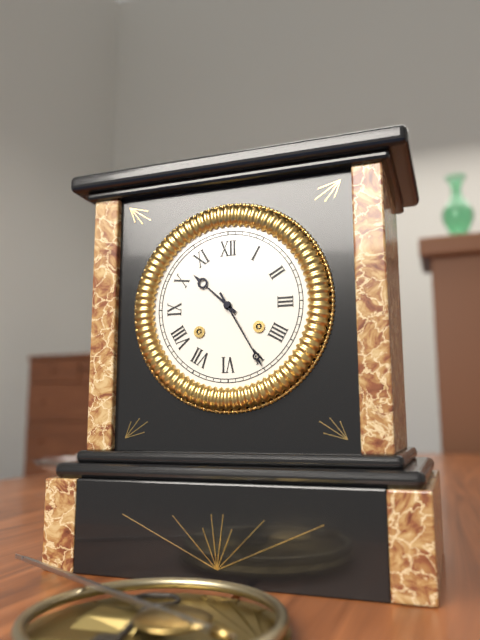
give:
10.25
